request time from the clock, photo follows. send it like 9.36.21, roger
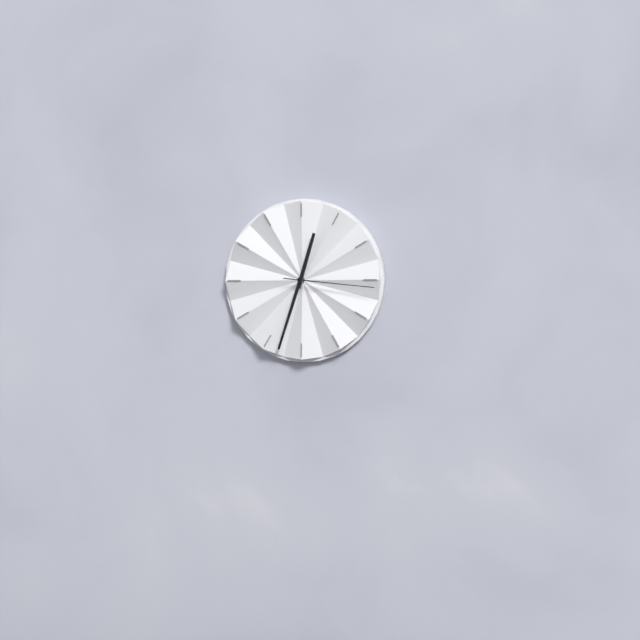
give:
12.33.16
